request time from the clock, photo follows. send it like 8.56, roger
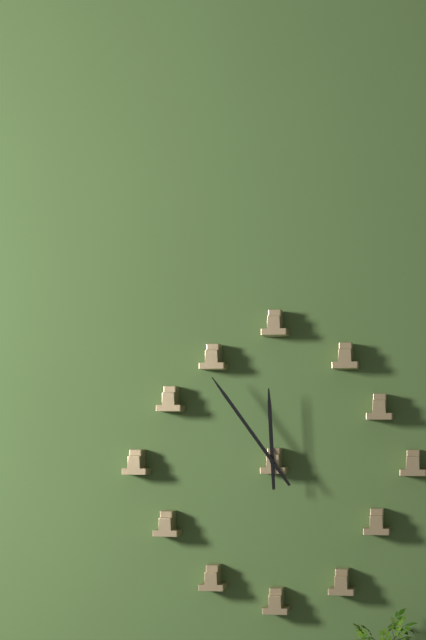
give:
11.54
